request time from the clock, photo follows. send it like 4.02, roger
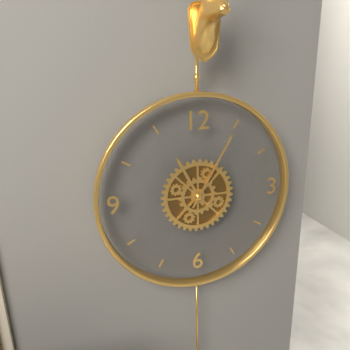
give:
11.05
